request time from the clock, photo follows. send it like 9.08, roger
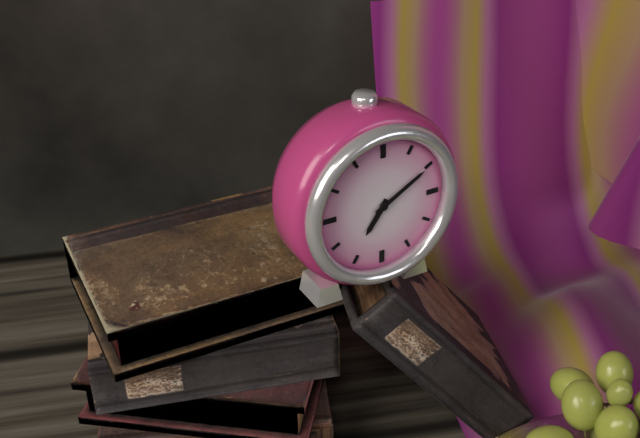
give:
7.10
